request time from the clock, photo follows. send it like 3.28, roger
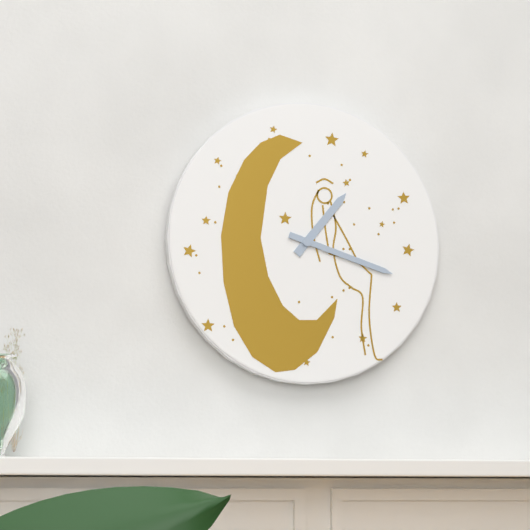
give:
1.18
